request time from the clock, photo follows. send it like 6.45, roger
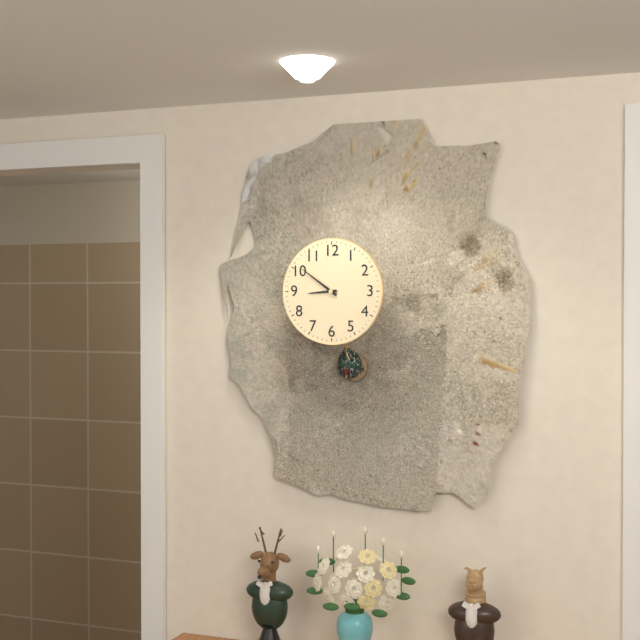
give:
8.51
